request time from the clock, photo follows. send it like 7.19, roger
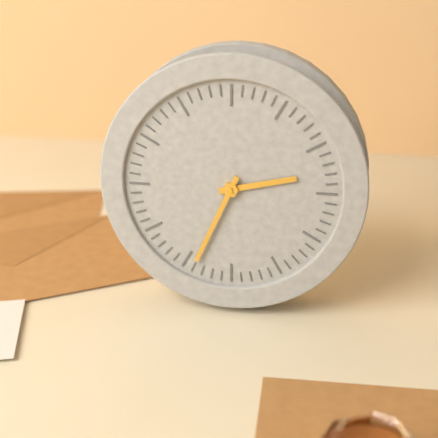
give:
2.34
